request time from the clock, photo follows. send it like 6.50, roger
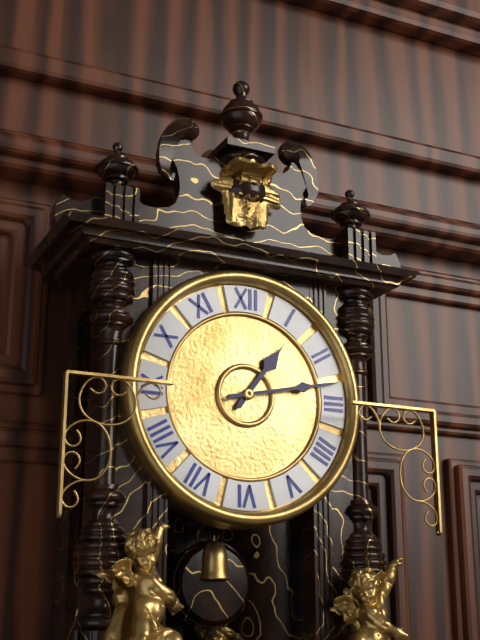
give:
1.13
